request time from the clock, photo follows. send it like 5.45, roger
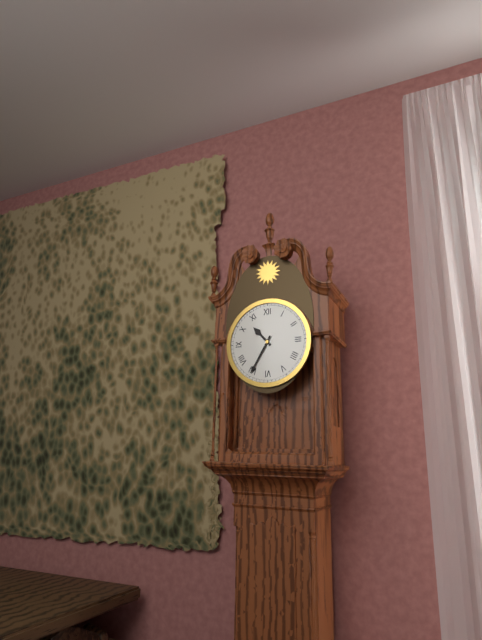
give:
10.35
